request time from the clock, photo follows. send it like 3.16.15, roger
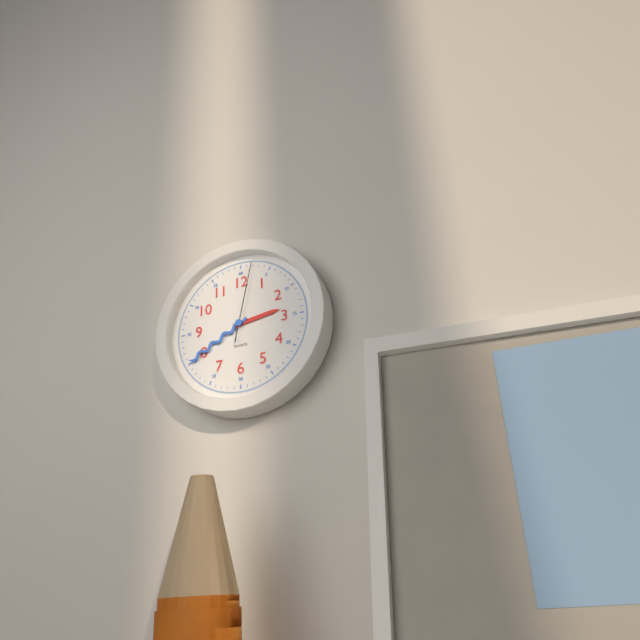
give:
2.40.02
